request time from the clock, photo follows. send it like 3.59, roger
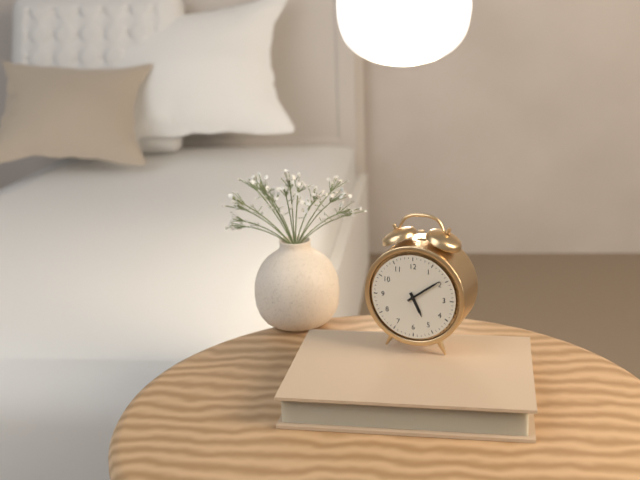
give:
5.09
